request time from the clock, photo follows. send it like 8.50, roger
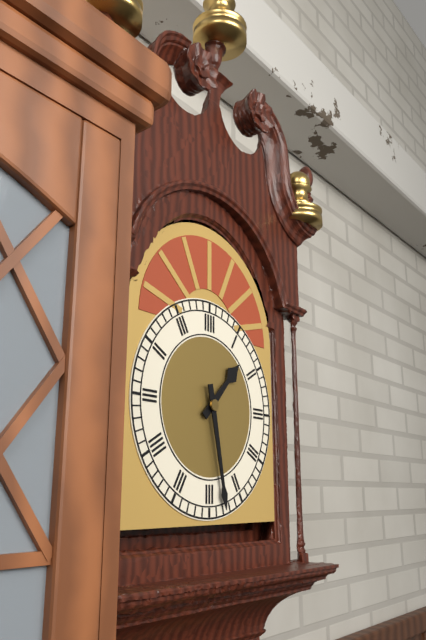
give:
1.28
